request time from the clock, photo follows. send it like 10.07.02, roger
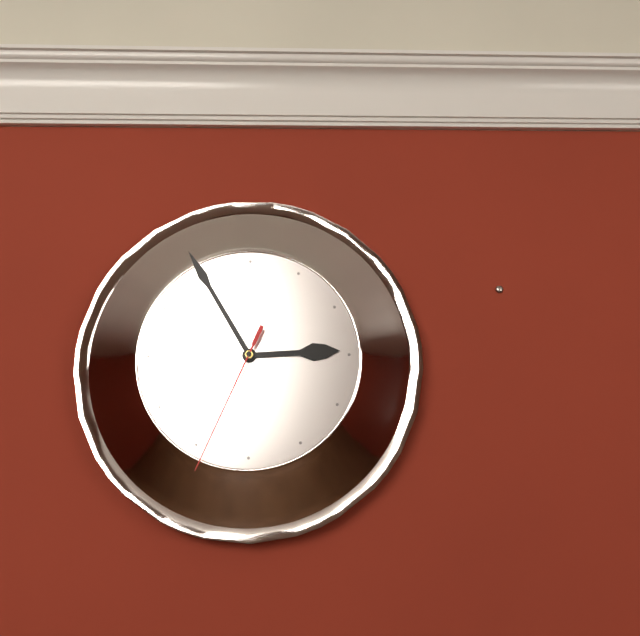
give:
2.55.34
